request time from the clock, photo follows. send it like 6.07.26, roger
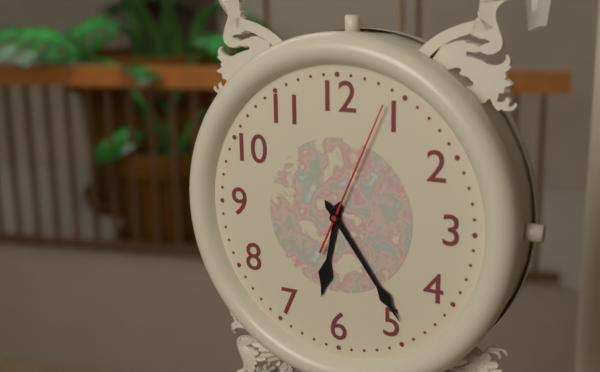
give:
6.24.04
